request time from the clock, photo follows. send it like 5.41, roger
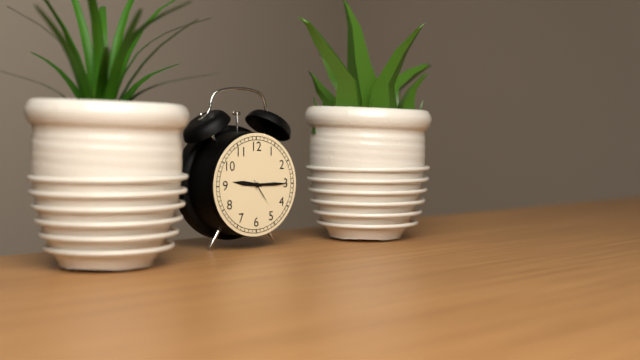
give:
9.15
